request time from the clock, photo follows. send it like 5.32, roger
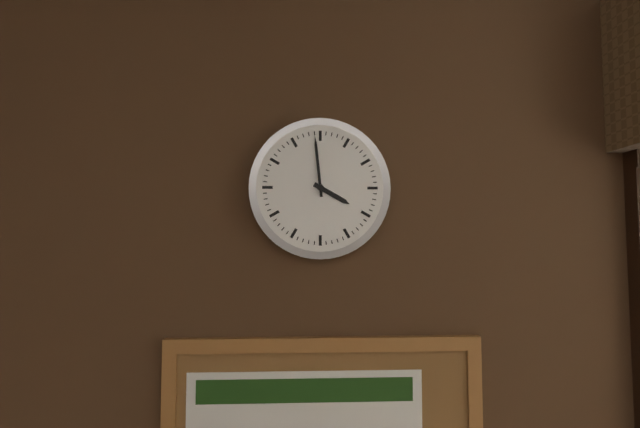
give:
3.59
